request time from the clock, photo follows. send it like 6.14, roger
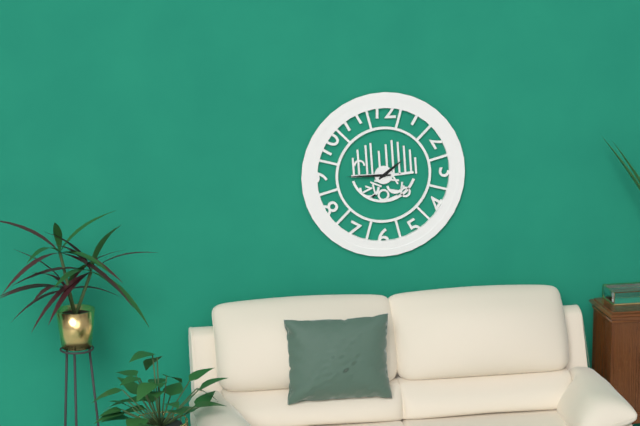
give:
1.45
